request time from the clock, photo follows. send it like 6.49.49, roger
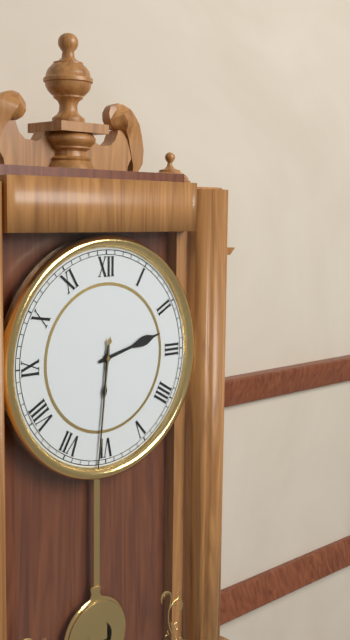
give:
2.31.31
